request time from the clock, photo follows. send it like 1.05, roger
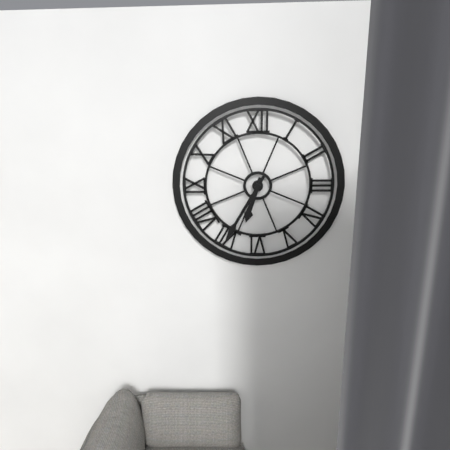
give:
6.35
